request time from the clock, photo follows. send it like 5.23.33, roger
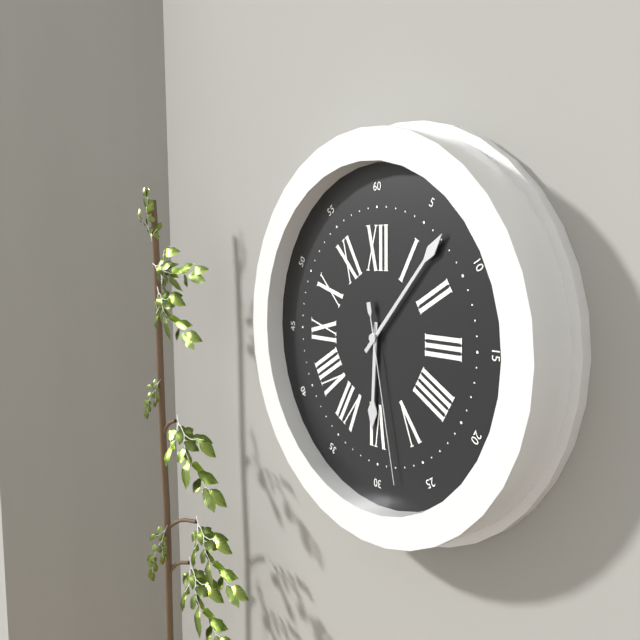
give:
6.07.28
